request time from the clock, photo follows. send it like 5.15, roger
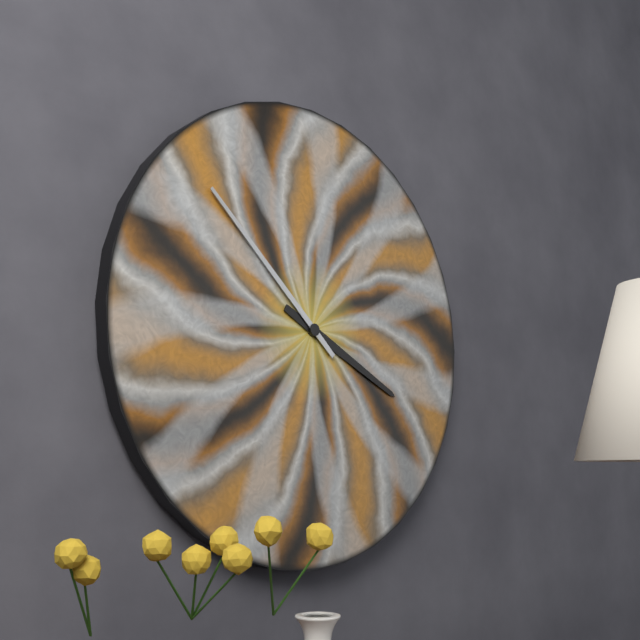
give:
3.52
